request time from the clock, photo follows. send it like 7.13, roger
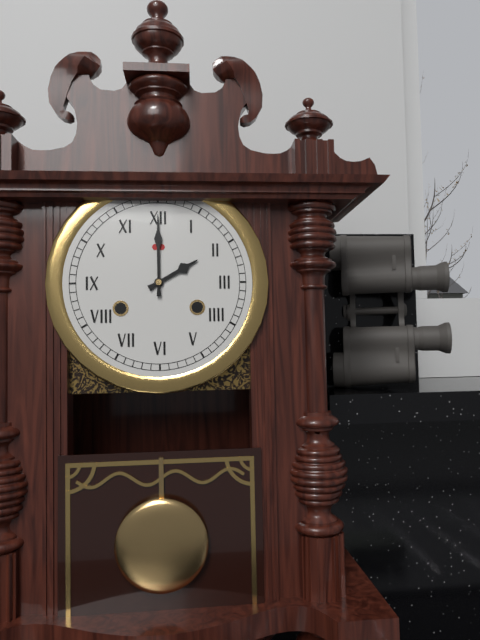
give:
2.00
